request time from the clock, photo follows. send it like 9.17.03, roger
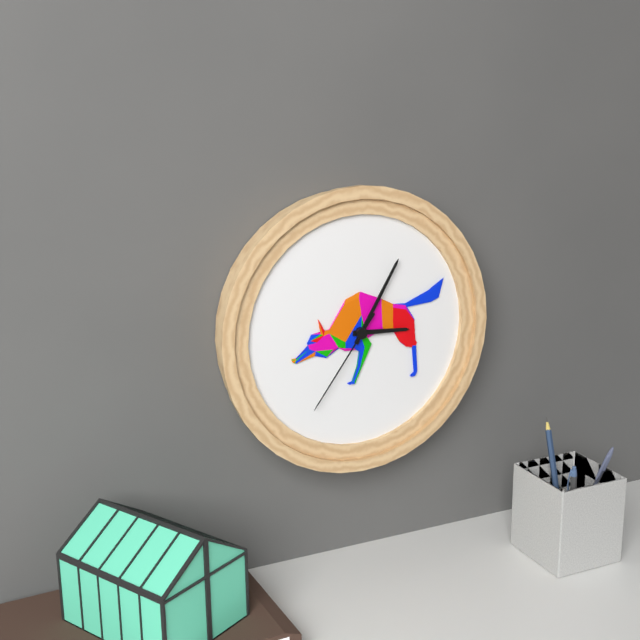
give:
3.05.36
